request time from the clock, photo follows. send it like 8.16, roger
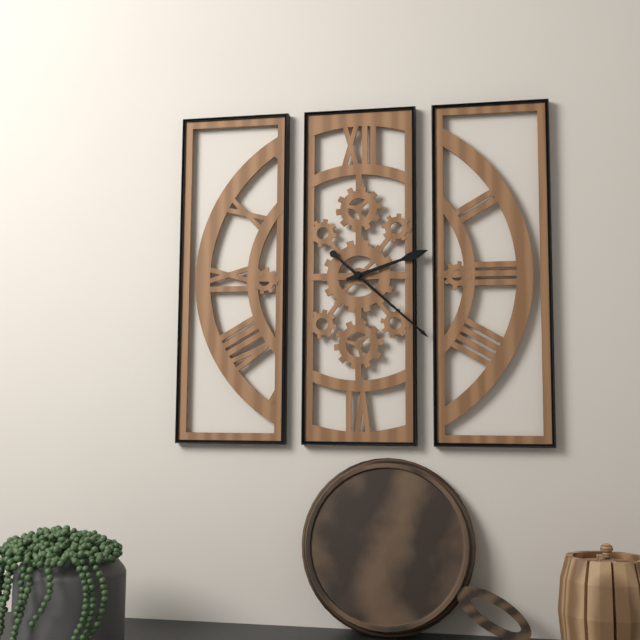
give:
2.22
